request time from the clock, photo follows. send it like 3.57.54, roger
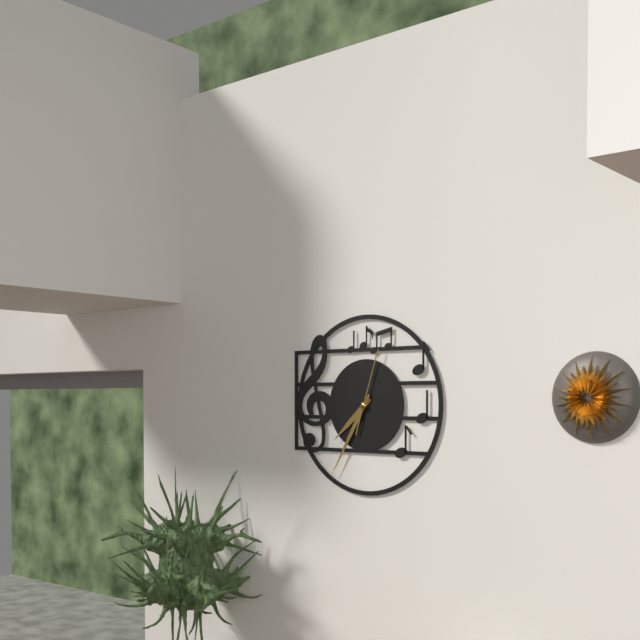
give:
7.35.03
